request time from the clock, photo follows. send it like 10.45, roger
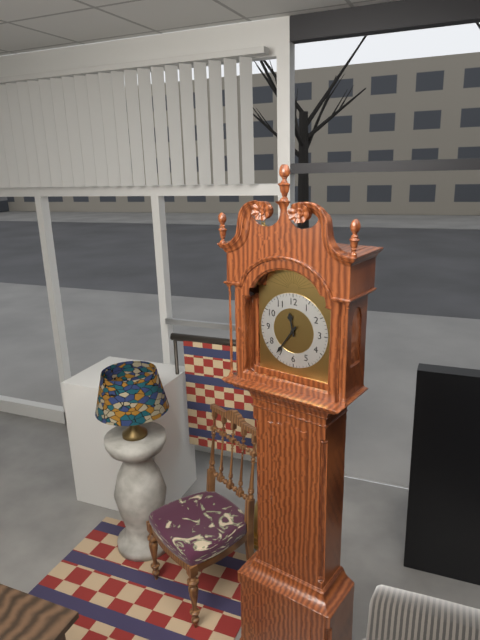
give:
11.36
